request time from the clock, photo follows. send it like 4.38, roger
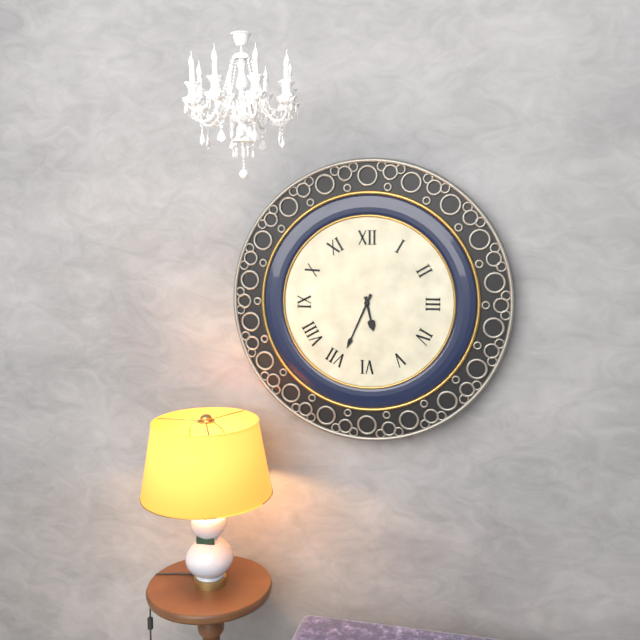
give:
5.34
